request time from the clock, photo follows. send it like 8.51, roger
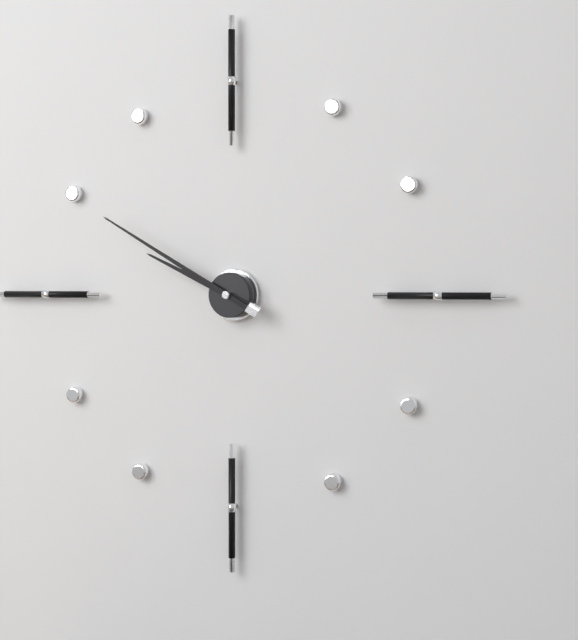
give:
9.50
